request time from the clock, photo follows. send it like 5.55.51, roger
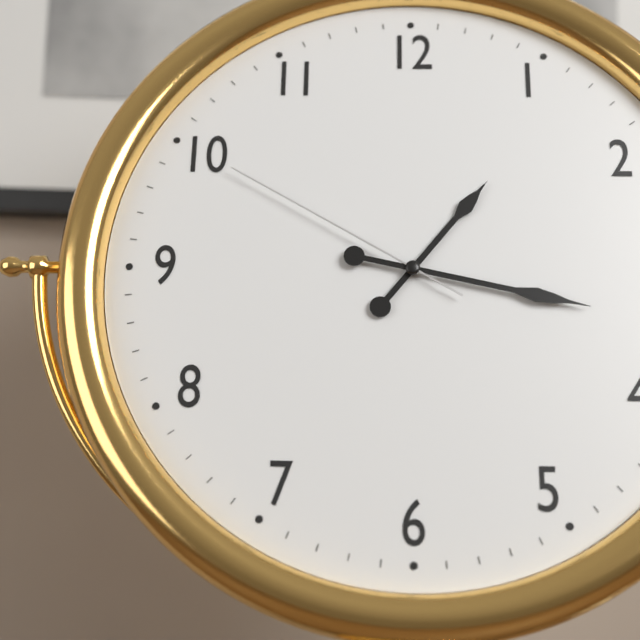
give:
1.17.50
